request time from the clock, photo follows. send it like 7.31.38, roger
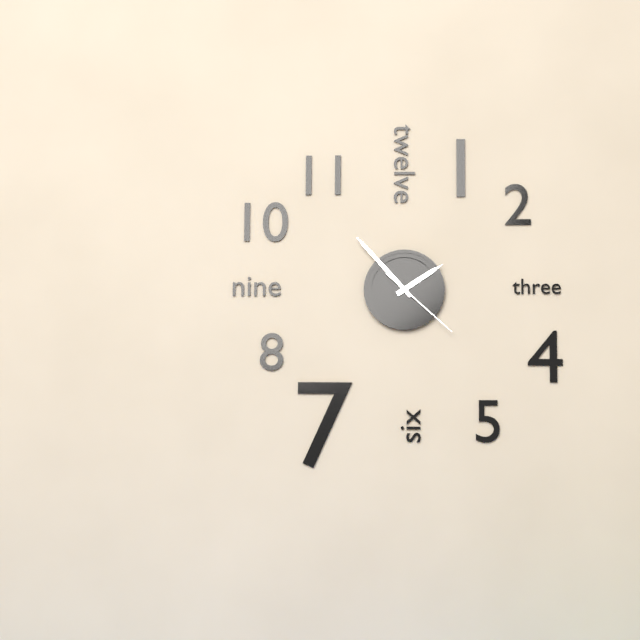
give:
1.53.22
